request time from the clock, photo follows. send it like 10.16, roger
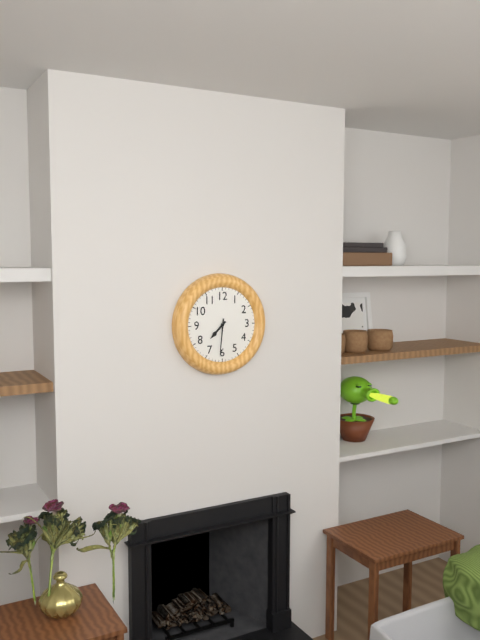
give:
7.31
